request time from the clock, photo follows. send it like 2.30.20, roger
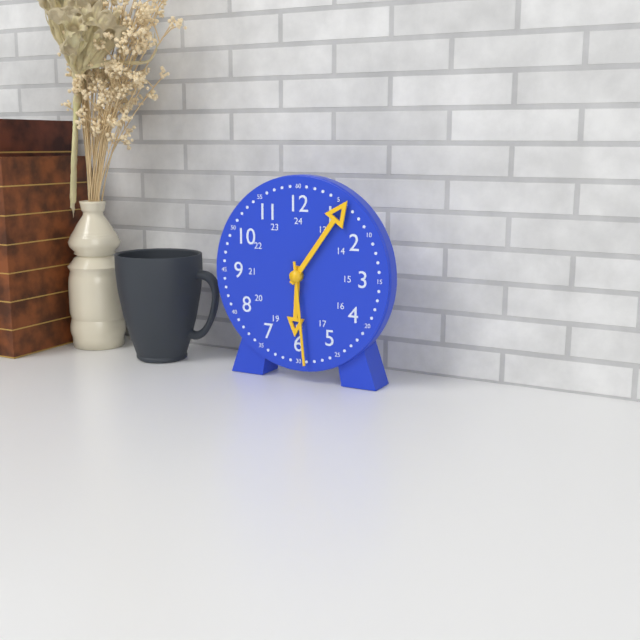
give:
6.06.29
